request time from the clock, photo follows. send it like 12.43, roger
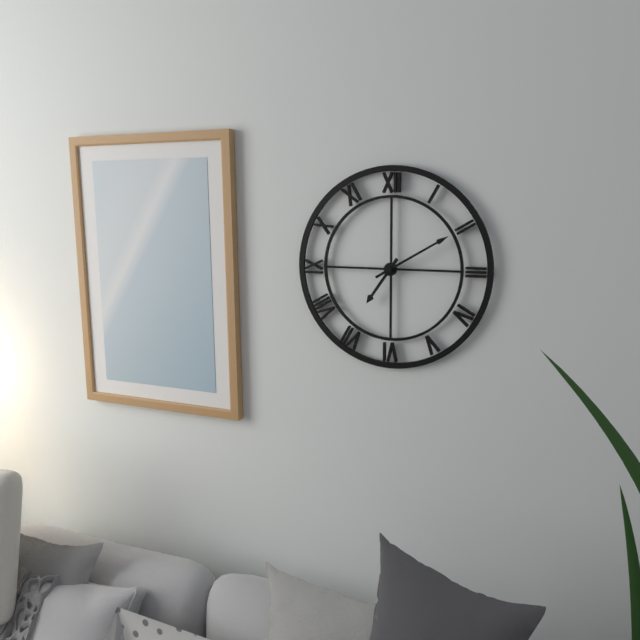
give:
7.10
